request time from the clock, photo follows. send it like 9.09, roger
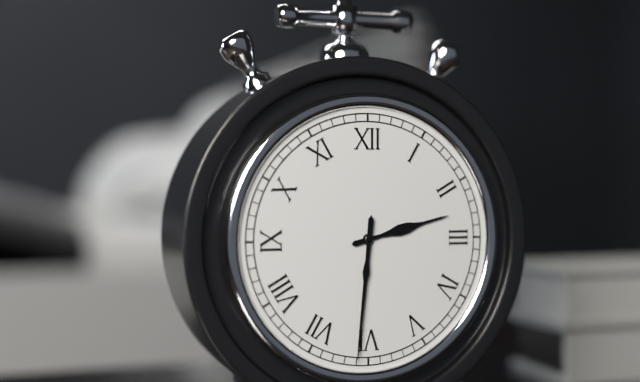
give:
2.31
